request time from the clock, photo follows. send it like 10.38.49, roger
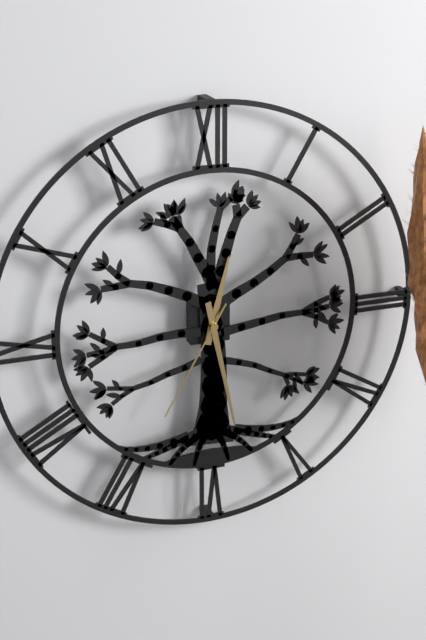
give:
12.28.35
